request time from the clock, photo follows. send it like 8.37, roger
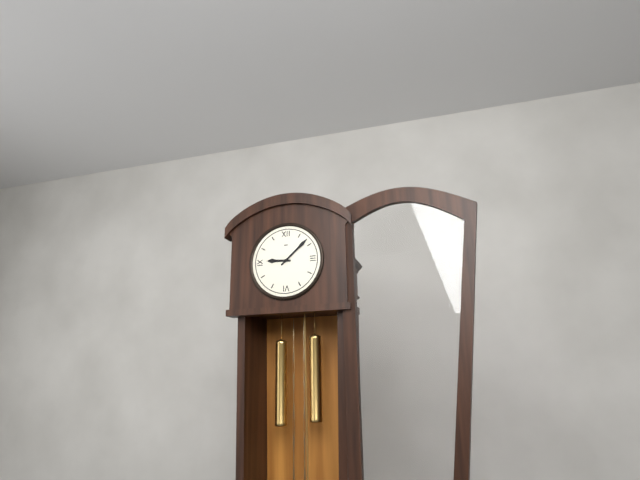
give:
9.08
